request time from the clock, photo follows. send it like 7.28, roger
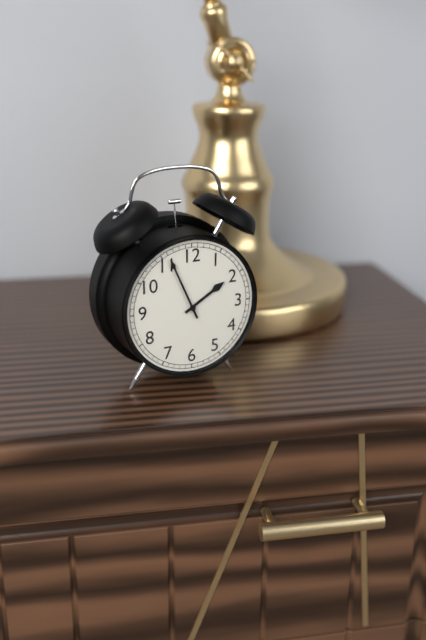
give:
1.56
